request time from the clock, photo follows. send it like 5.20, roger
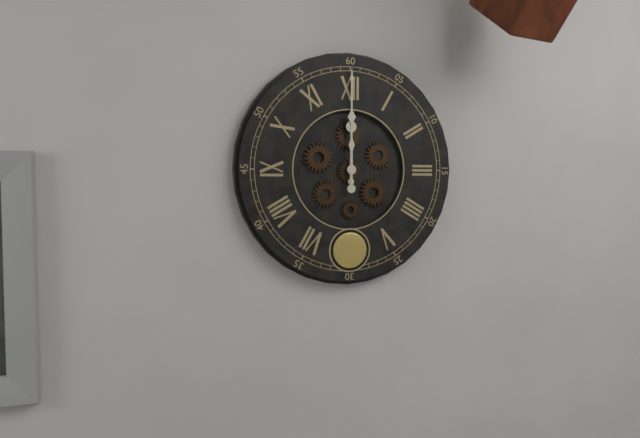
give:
12.00
